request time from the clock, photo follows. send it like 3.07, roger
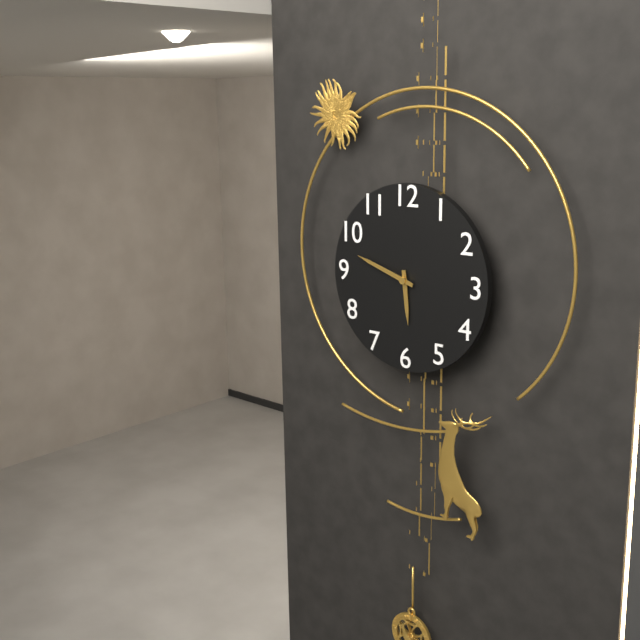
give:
5.48
